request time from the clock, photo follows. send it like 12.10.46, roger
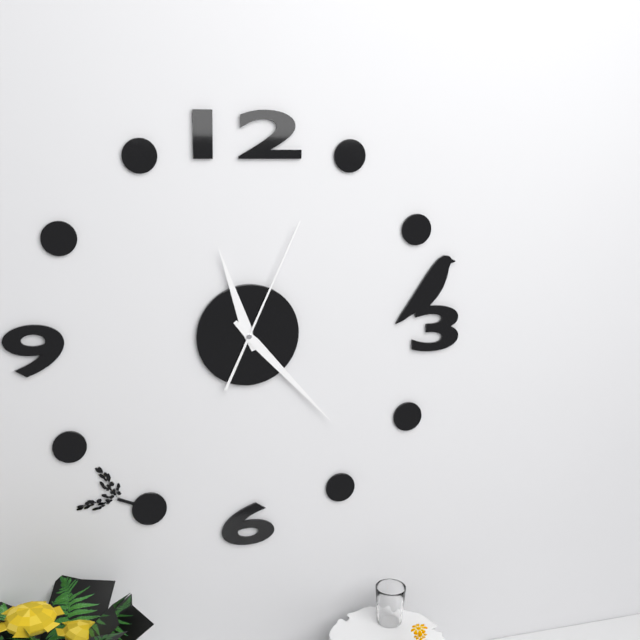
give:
11.23.04
